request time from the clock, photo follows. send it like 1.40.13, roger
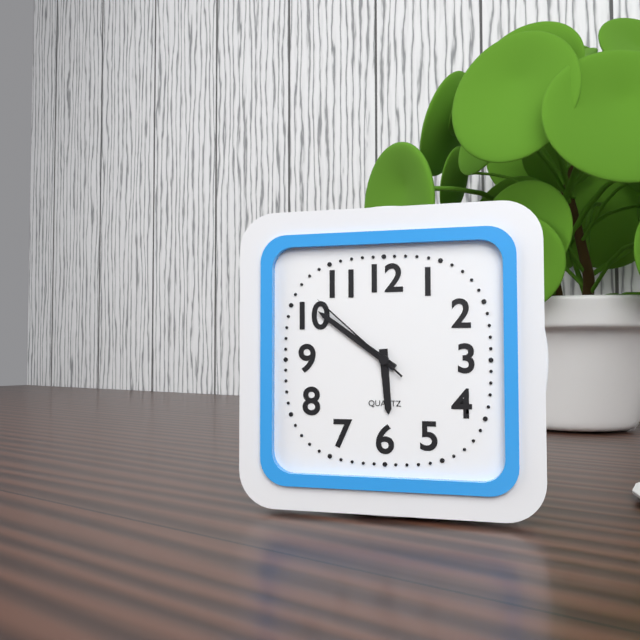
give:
5.51.52
